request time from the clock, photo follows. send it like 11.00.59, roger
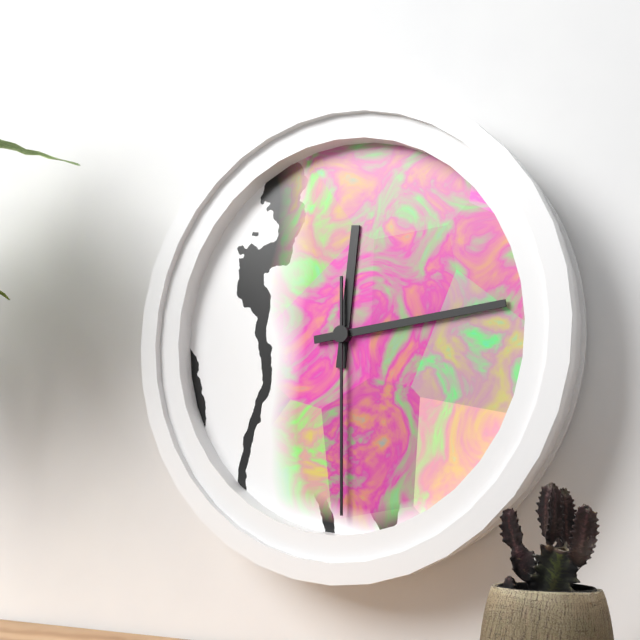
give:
12.14.30
